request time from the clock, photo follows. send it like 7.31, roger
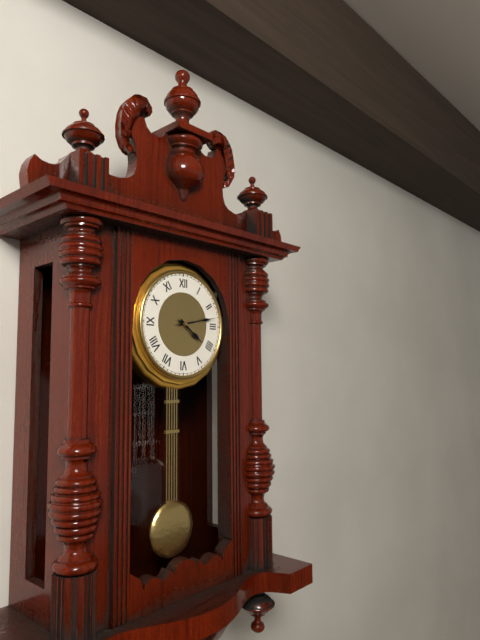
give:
4.13
